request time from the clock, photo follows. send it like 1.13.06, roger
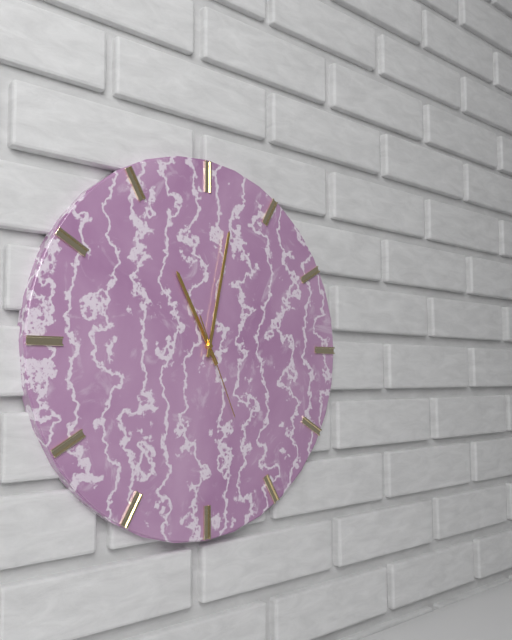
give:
11.02.26
